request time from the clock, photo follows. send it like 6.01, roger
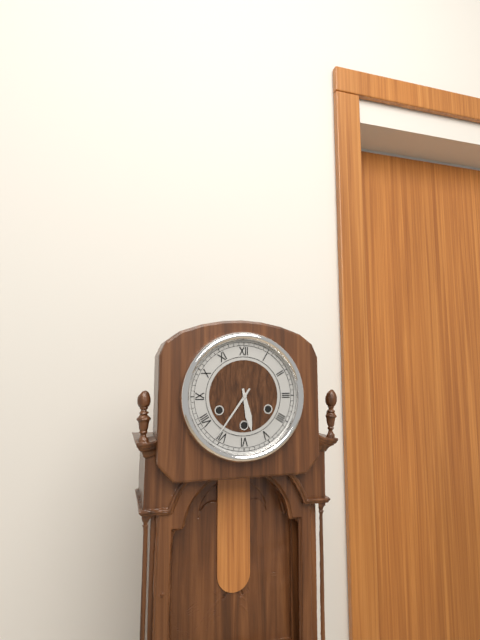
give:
5.36
